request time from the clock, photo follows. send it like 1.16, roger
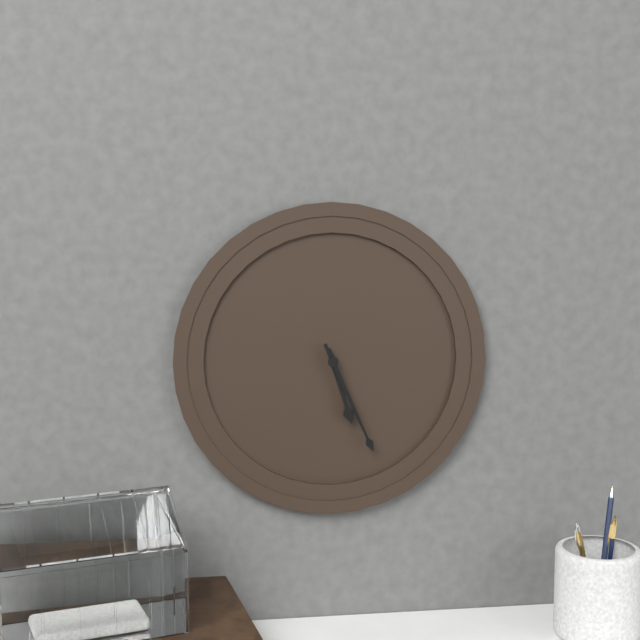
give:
5.26
